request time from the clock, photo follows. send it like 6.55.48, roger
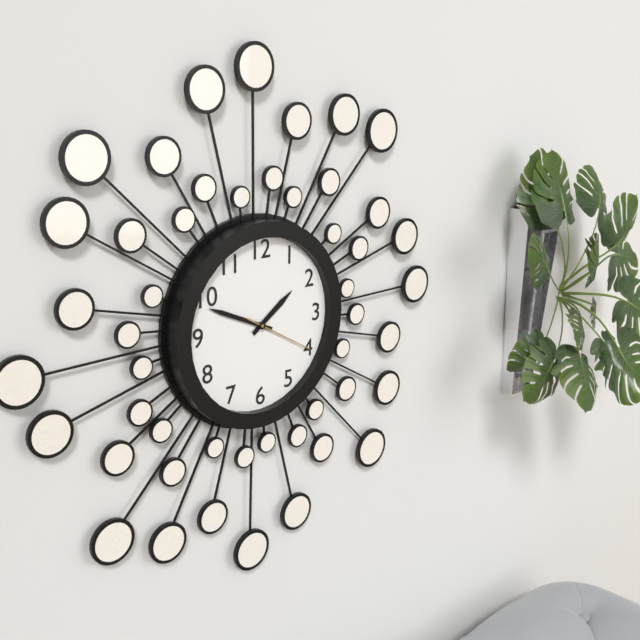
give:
1.49.20
